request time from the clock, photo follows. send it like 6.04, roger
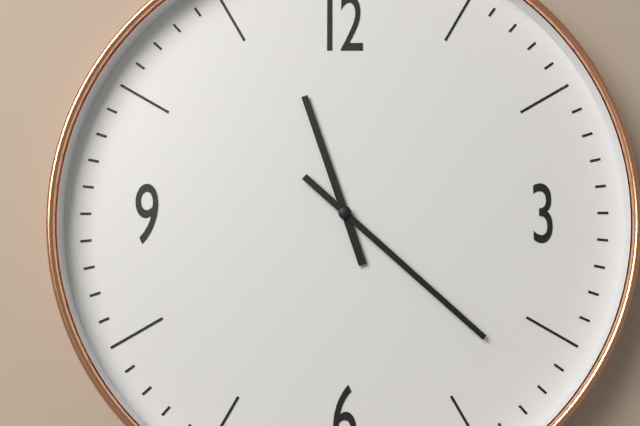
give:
11.22
